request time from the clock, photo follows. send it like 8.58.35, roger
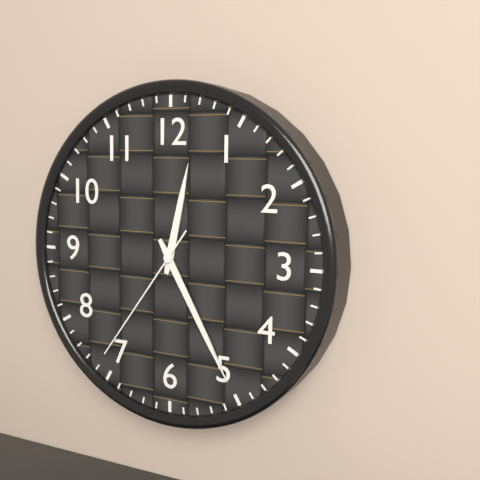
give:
12.25.36
